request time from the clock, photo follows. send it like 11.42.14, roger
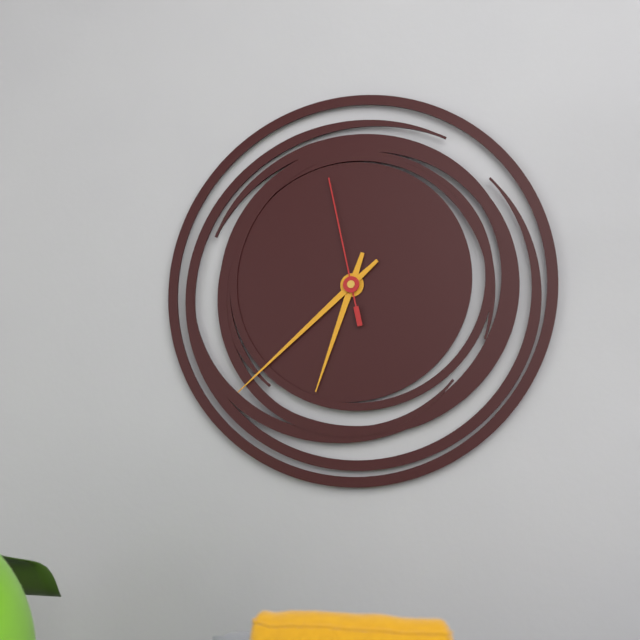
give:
6.38.58
